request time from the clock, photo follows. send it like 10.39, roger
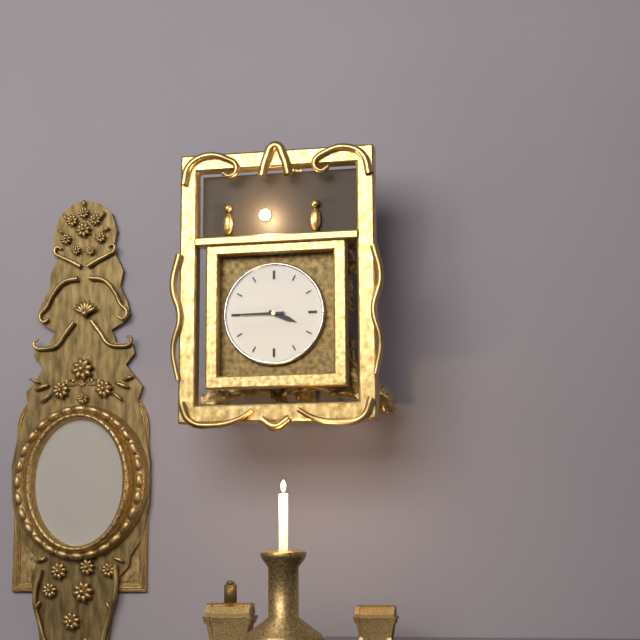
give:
3.45
